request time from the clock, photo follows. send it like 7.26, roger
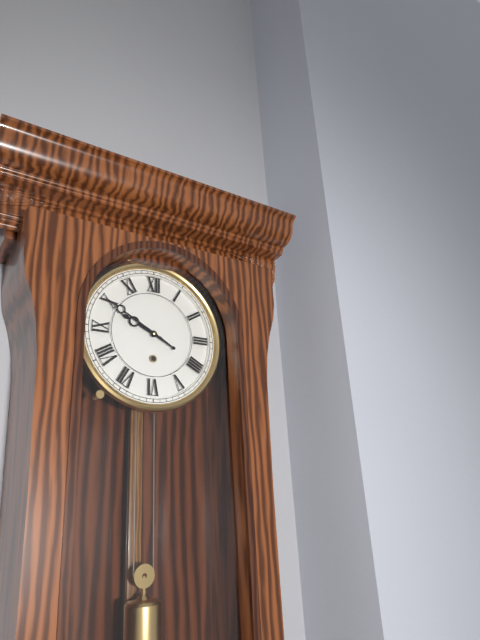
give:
9.50
